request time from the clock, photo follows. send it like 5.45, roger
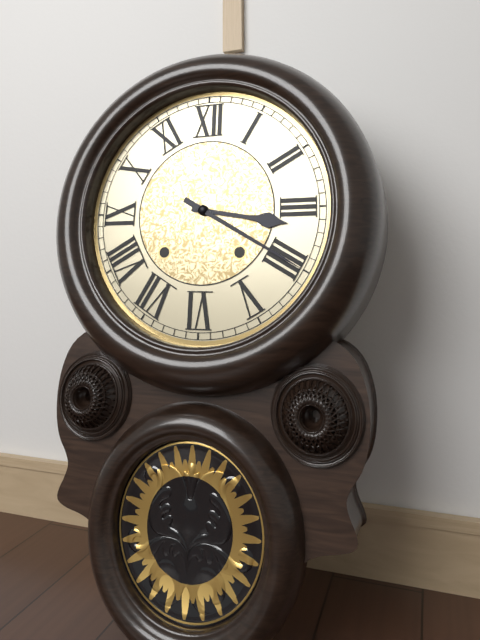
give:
3.20
